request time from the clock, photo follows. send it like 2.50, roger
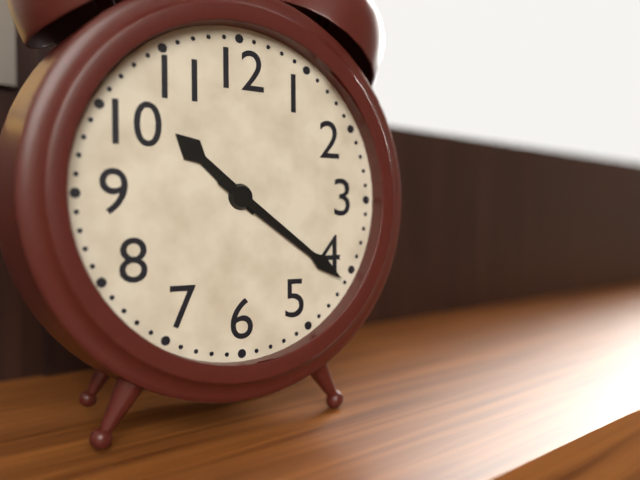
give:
10.21
